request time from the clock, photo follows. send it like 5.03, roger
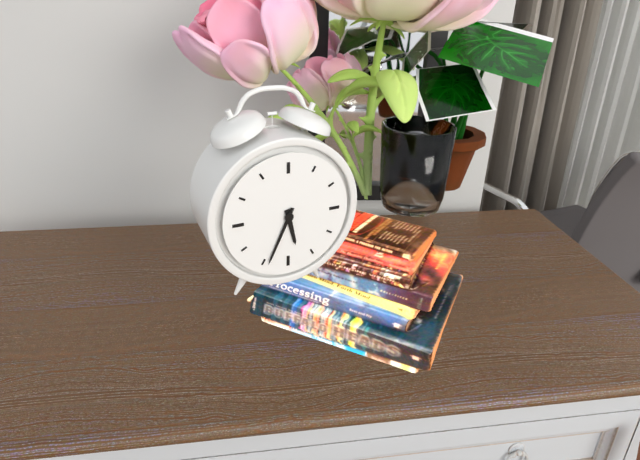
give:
5.34
